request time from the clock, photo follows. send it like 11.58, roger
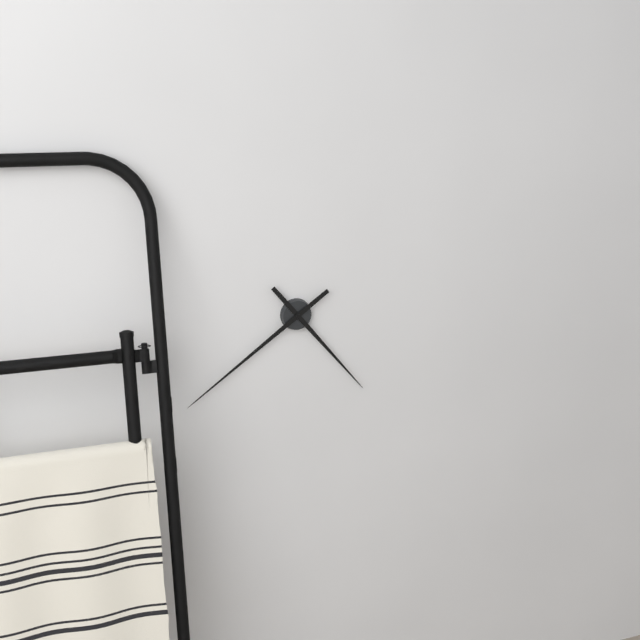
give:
4.39
